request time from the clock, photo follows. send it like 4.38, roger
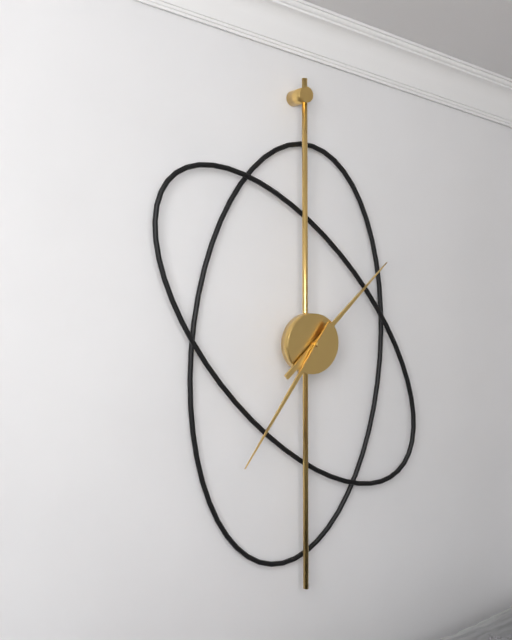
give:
1.36
